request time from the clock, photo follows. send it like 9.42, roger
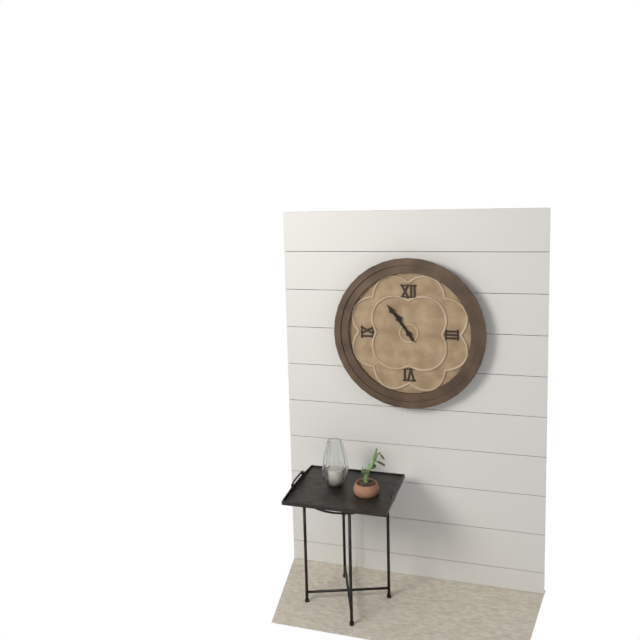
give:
10.54
